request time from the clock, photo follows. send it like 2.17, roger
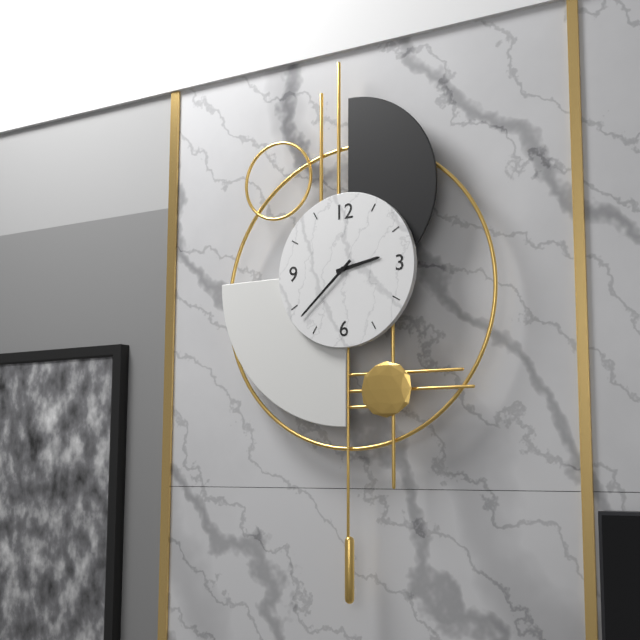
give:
2.38
